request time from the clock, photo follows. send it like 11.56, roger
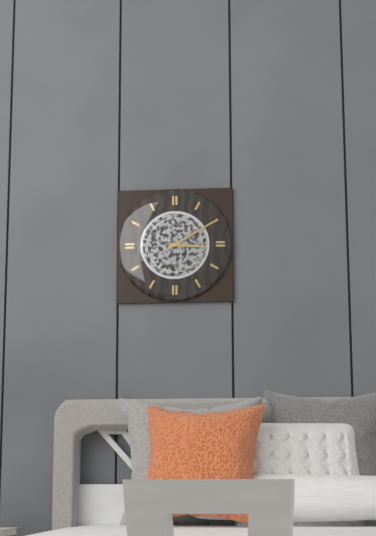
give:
3.10
